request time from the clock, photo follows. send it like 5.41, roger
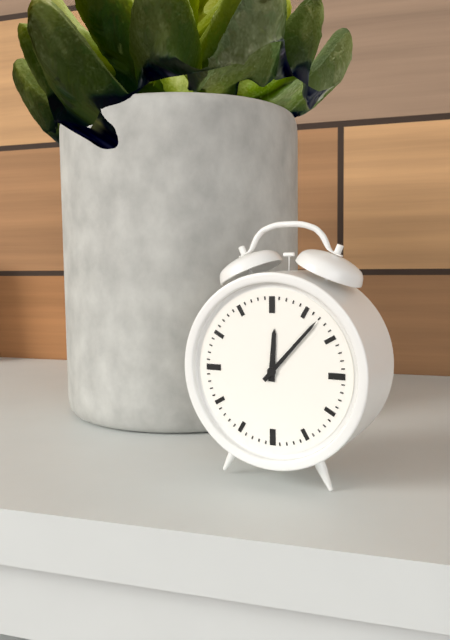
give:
12.07
